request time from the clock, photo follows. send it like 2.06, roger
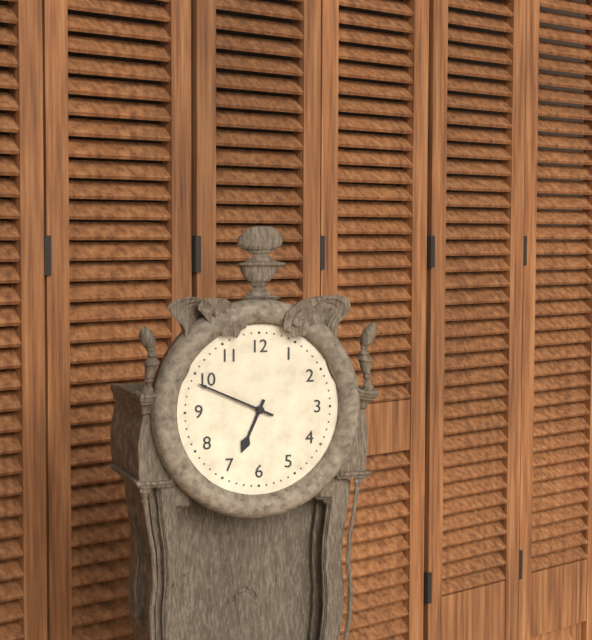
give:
6.49
